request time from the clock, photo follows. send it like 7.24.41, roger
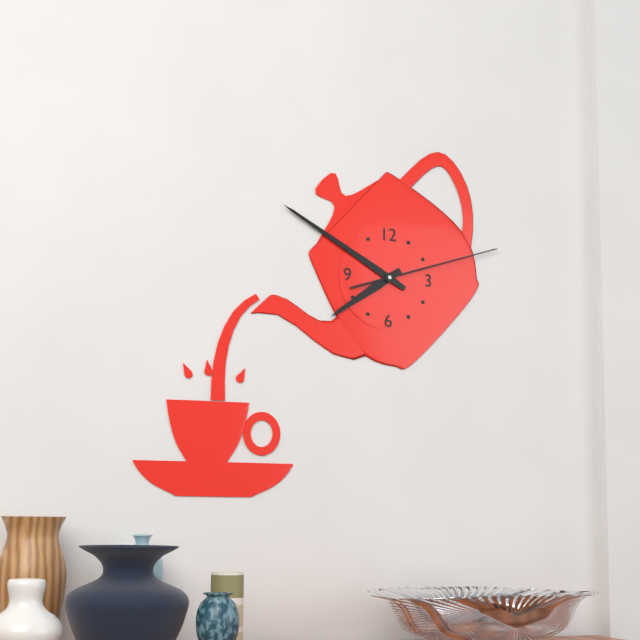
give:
7.50.12
